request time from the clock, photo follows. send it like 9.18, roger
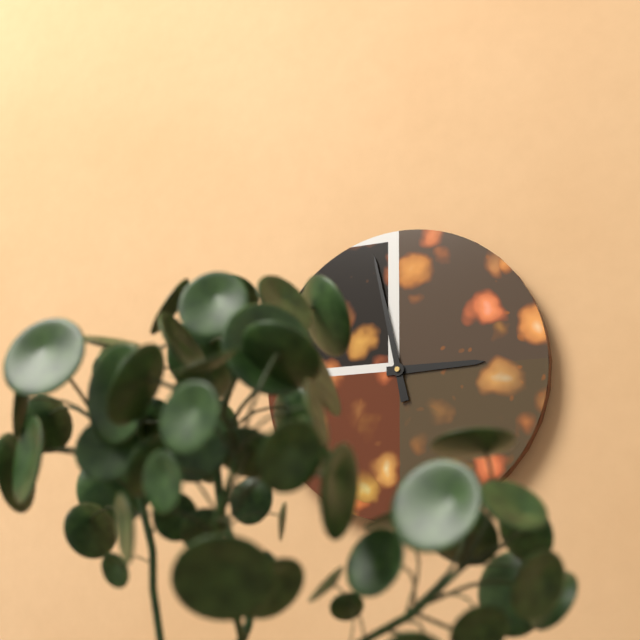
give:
2.58
